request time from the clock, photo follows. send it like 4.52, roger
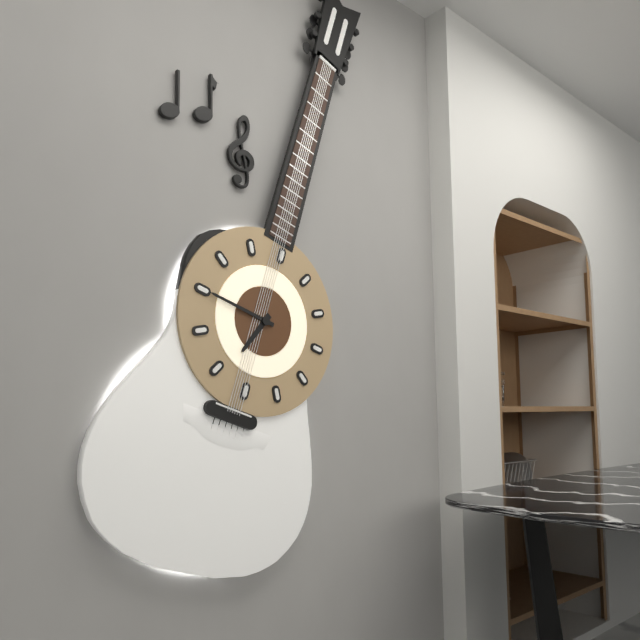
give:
6.45
